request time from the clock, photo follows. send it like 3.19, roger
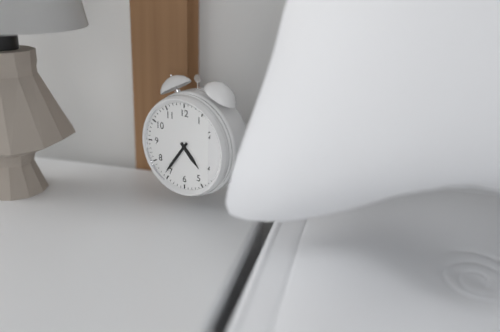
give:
4.36
